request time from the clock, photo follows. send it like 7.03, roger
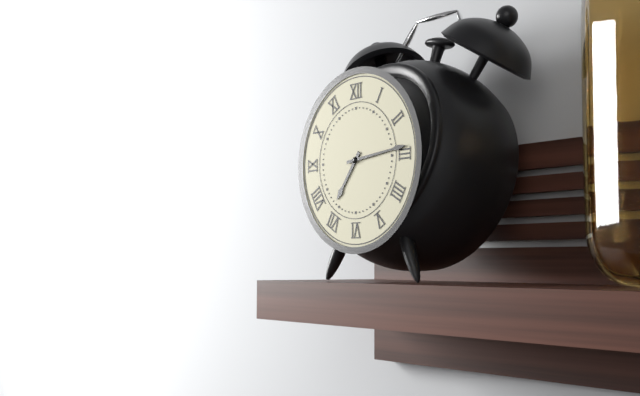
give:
7.14
